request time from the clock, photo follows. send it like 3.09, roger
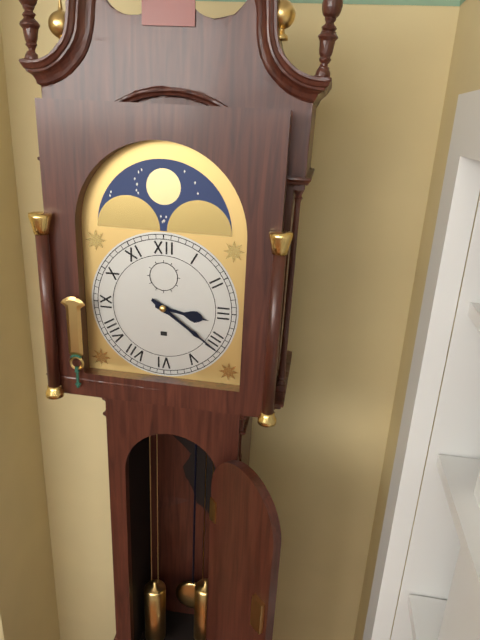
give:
3.21
